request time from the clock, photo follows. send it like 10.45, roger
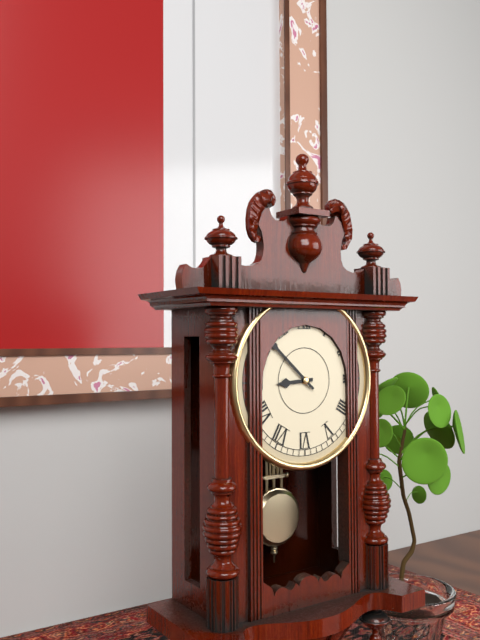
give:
8.52
